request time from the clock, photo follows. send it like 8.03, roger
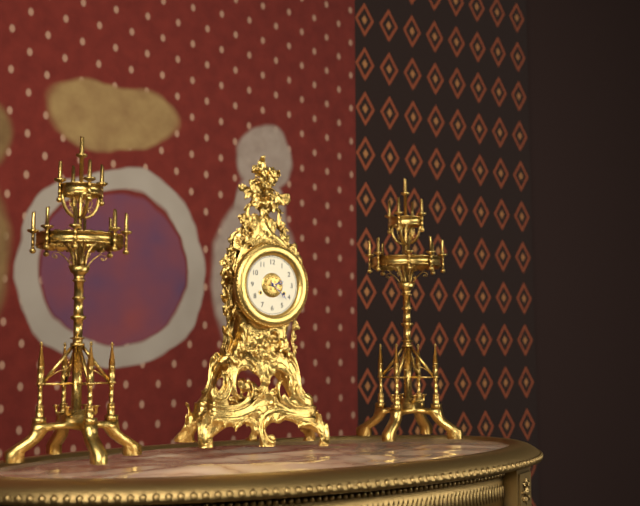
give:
2.22
